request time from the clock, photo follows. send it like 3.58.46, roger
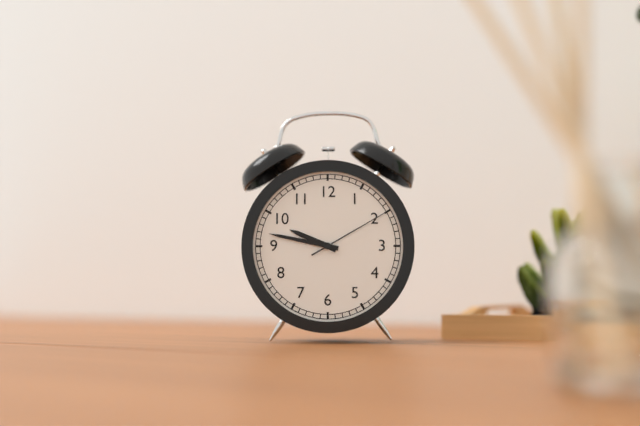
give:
9.47.10
